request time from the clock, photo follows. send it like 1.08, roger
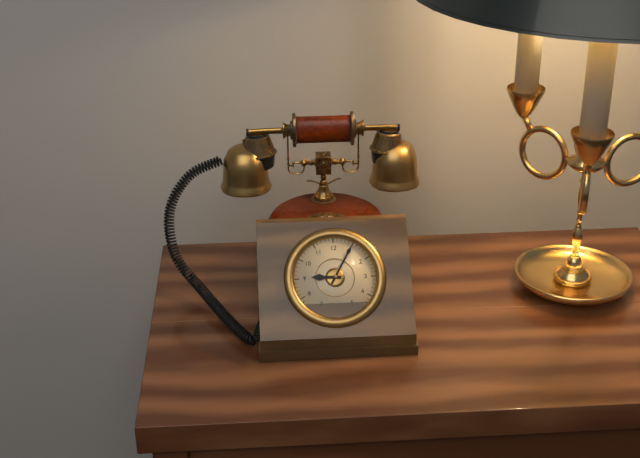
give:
9.05
